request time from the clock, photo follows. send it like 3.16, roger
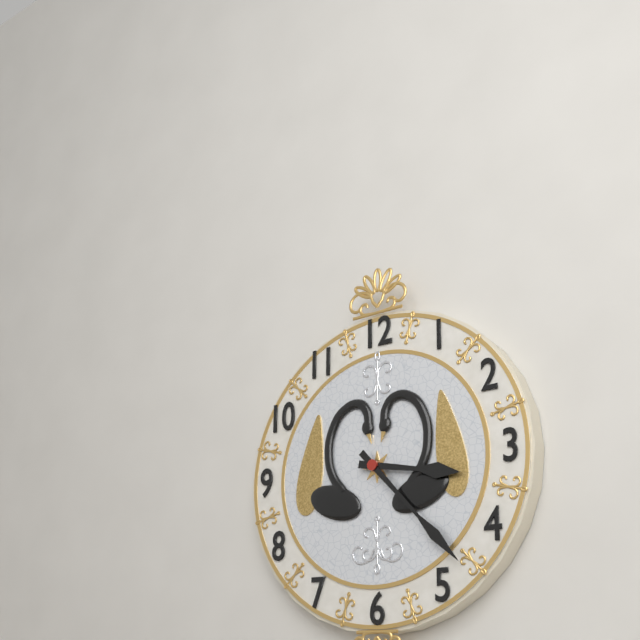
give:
3.23
